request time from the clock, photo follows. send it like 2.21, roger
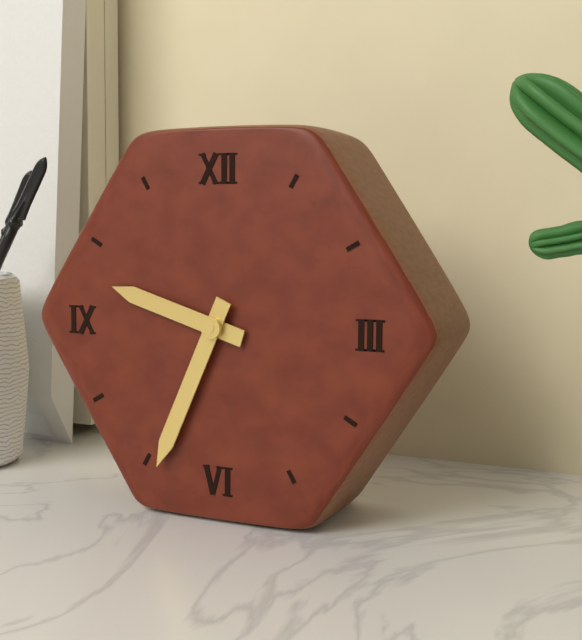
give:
9.34
